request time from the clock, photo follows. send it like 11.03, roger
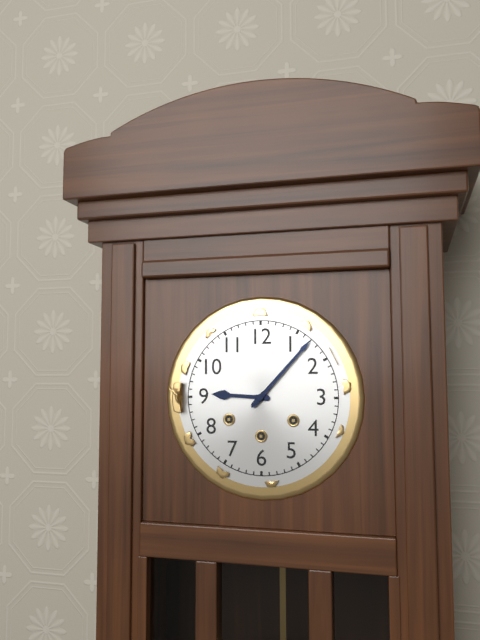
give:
9.07
